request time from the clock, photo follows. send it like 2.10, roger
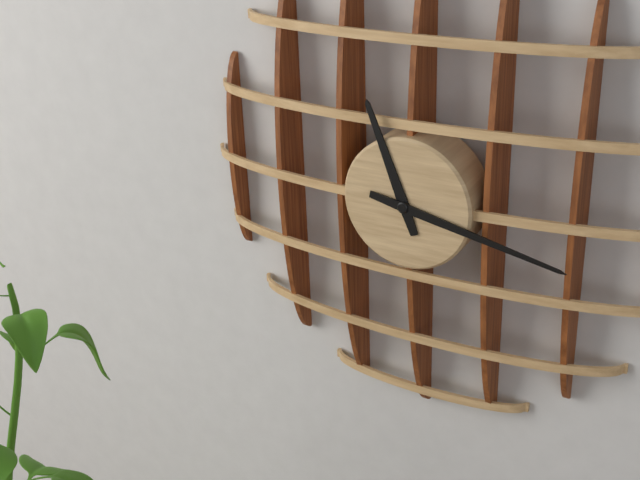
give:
11.17
